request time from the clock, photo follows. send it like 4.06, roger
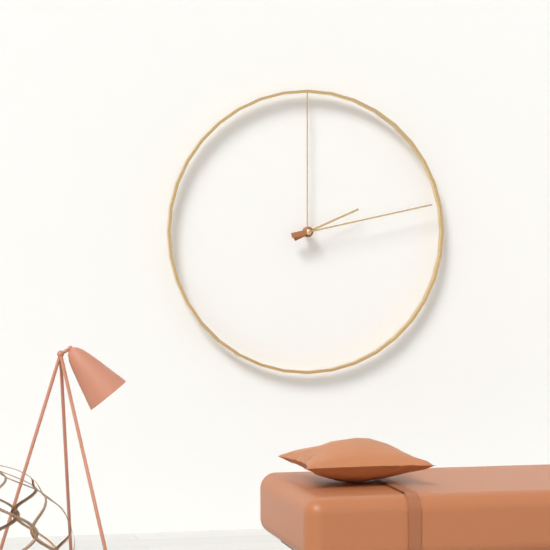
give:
2.13
